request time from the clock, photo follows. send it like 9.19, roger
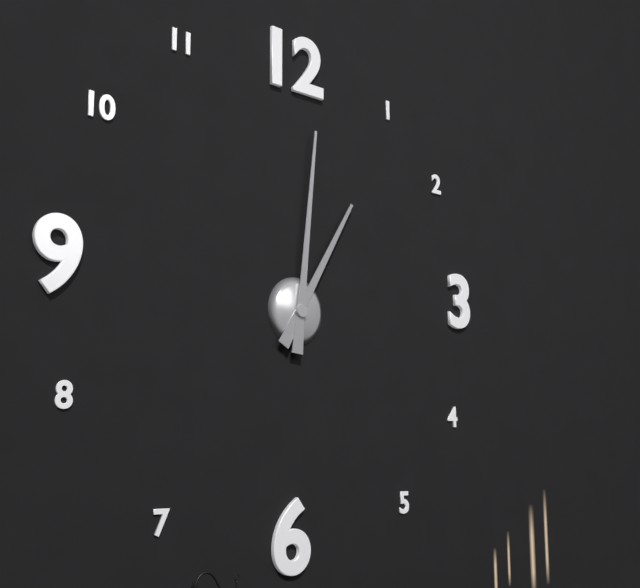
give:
1.01
